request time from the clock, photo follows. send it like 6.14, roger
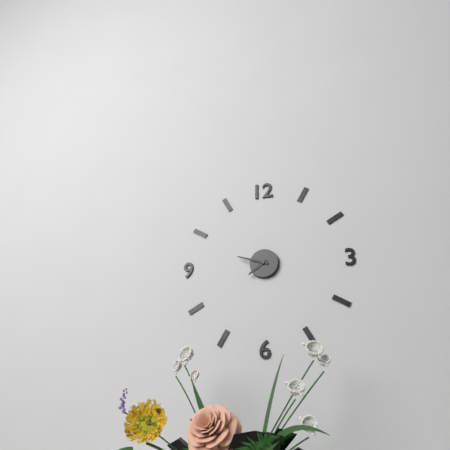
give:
7.48
